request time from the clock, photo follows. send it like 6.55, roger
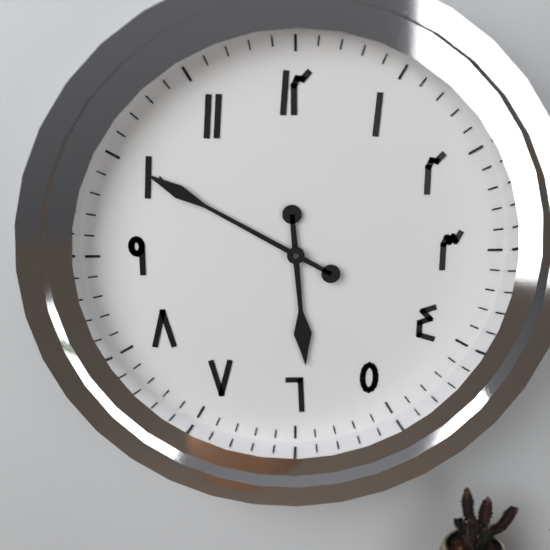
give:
5.50
